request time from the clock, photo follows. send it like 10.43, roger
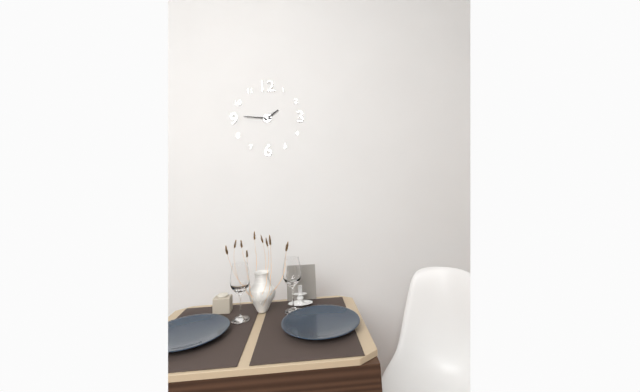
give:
1.46
